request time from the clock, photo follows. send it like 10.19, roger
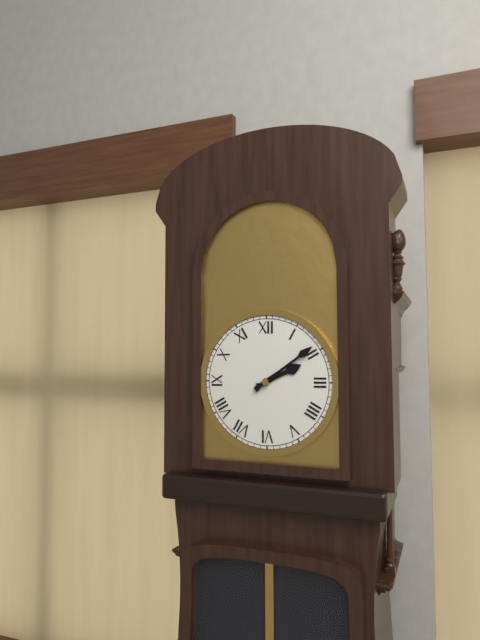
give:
2.09
